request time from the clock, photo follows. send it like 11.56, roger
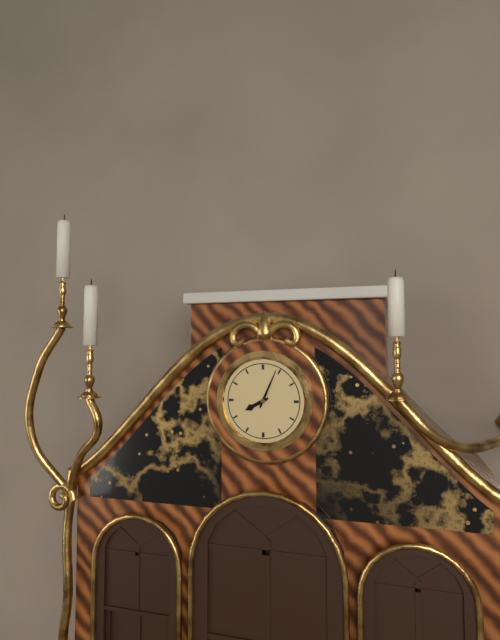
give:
8.04
